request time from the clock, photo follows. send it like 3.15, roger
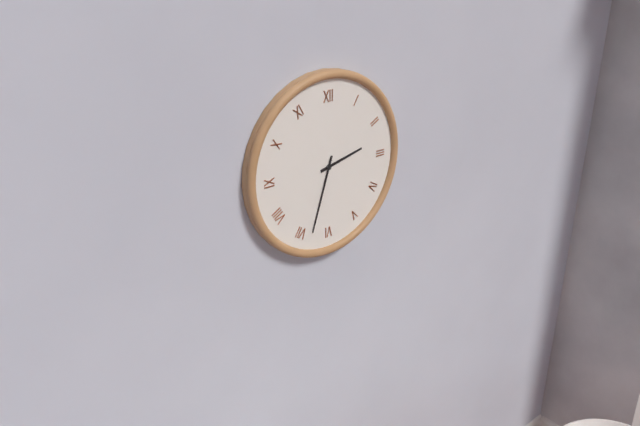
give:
2.33
